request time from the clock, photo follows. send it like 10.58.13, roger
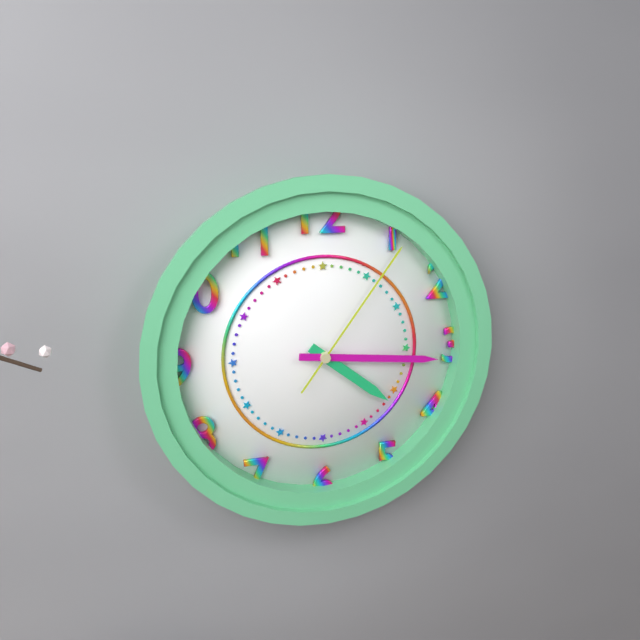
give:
4.16.06
